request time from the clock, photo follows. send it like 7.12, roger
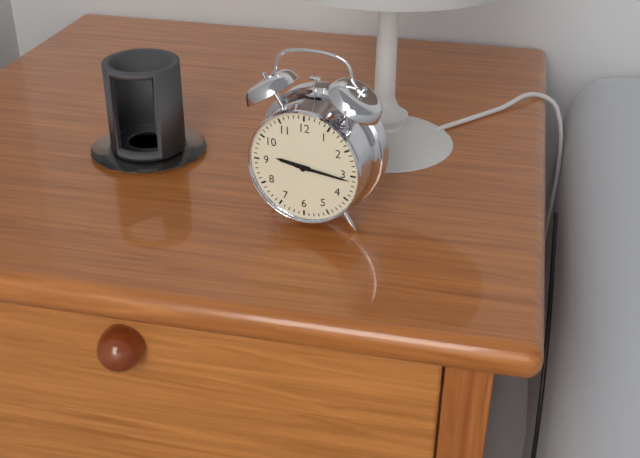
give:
9.16
